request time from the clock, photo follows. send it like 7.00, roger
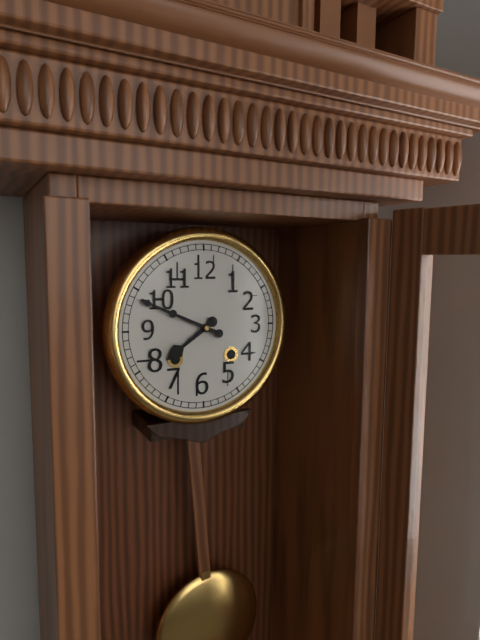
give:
7.49
